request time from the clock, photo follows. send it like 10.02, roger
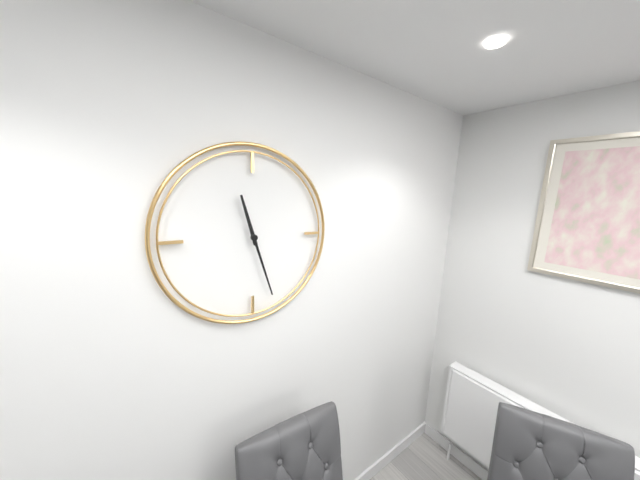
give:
11.27
